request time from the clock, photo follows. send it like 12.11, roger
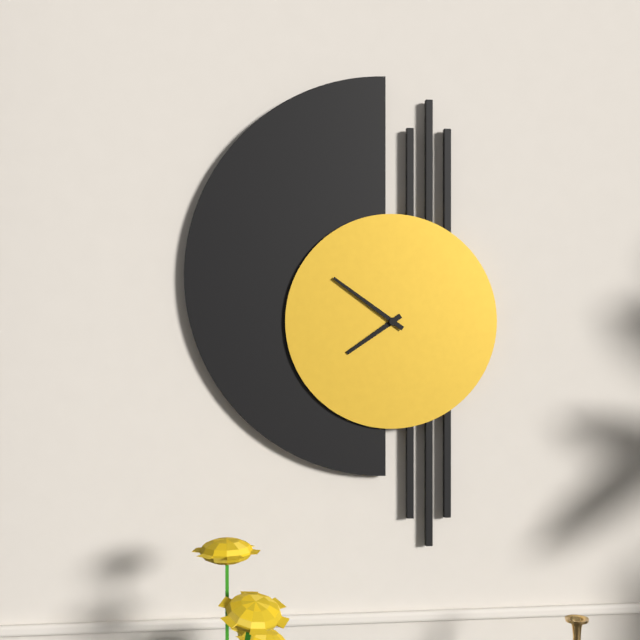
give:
7.51
